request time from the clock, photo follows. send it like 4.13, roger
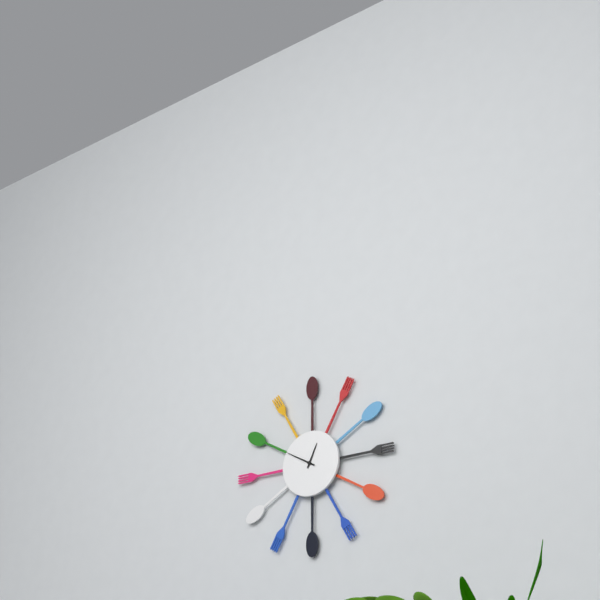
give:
12.50
